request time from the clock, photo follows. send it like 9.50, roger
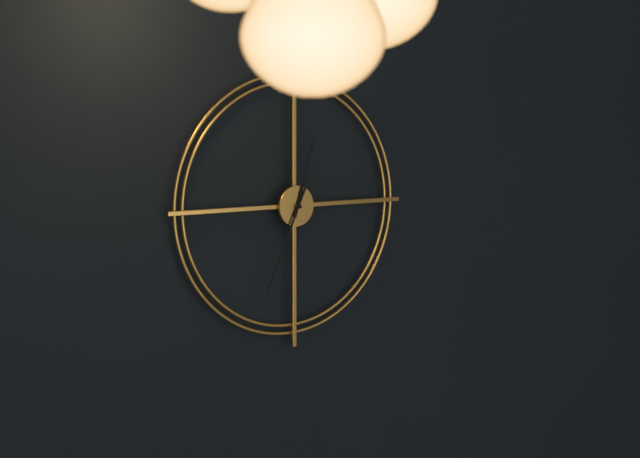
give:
12.34
